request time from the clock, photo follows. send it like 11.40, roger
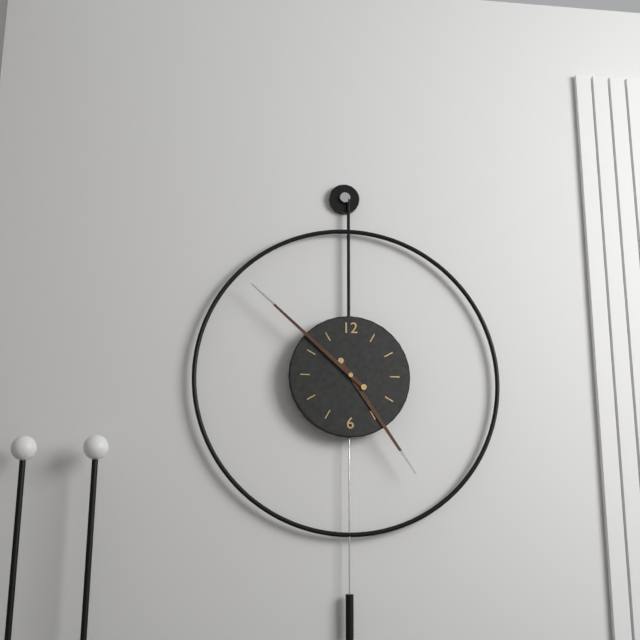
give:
4.52
